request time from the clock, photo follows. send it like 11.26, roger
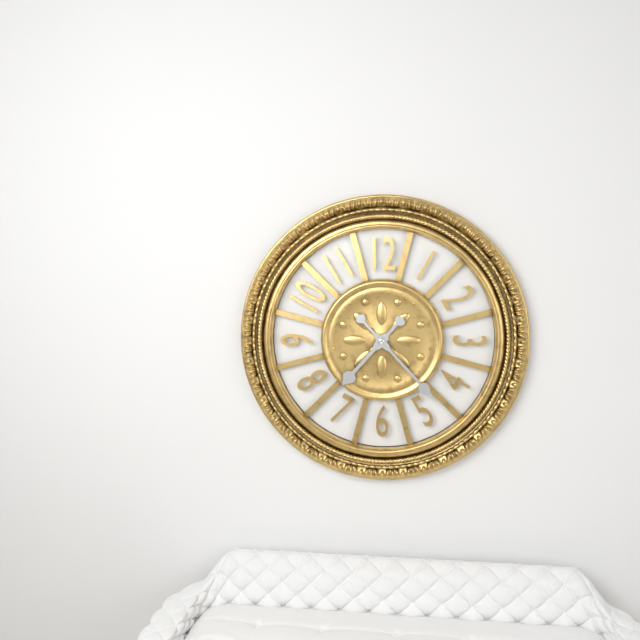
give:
7.23
